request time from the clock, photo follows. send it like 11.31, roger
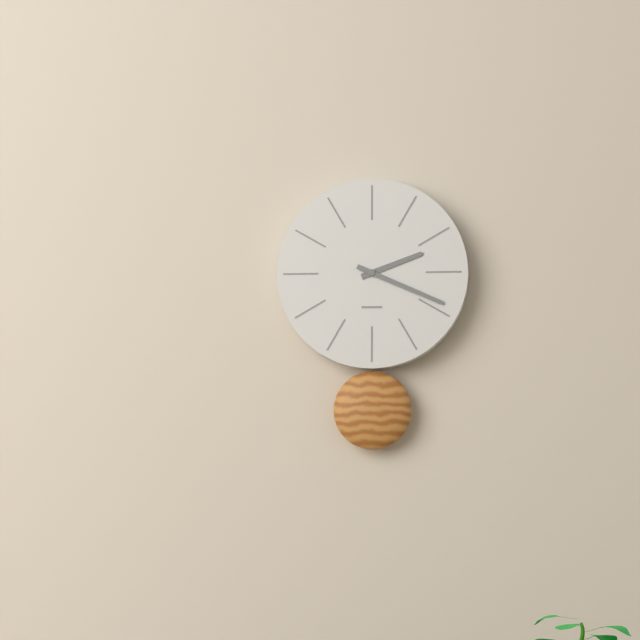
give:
2.19
